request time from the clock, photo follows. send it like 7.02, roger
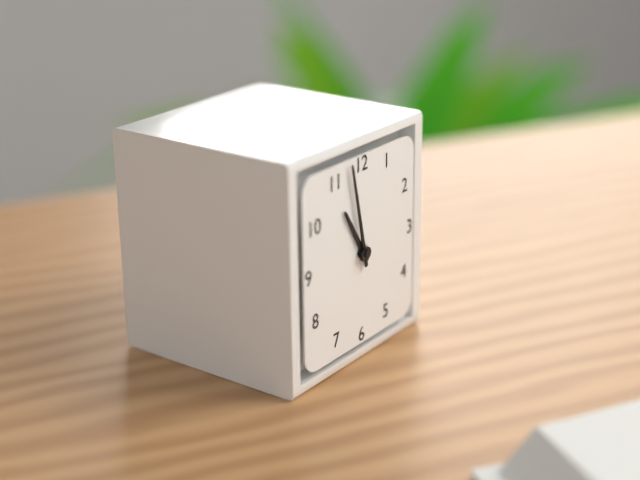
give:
10.58
